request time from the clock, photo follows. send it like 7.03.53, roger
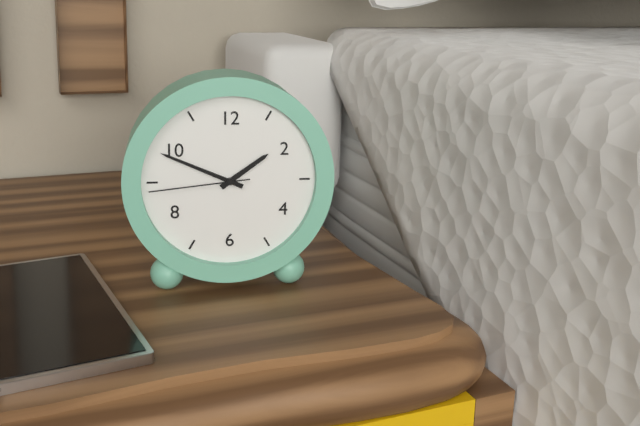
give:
1.49.44
